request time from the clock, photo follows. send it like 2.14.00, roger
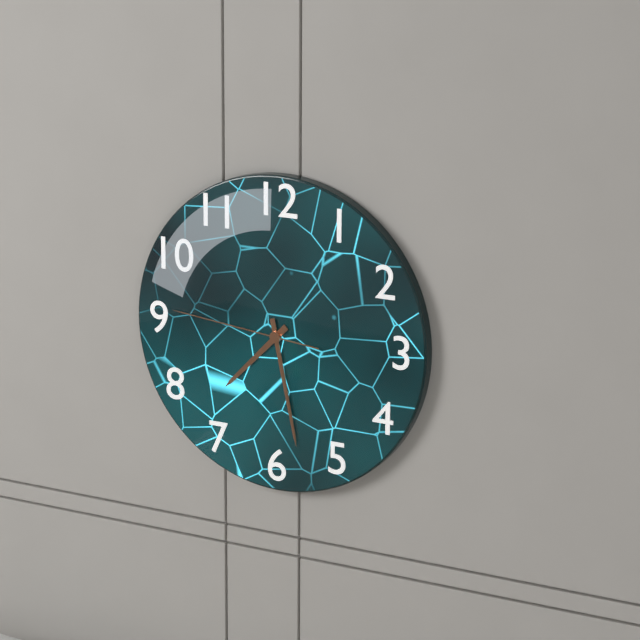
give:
7.28.46
